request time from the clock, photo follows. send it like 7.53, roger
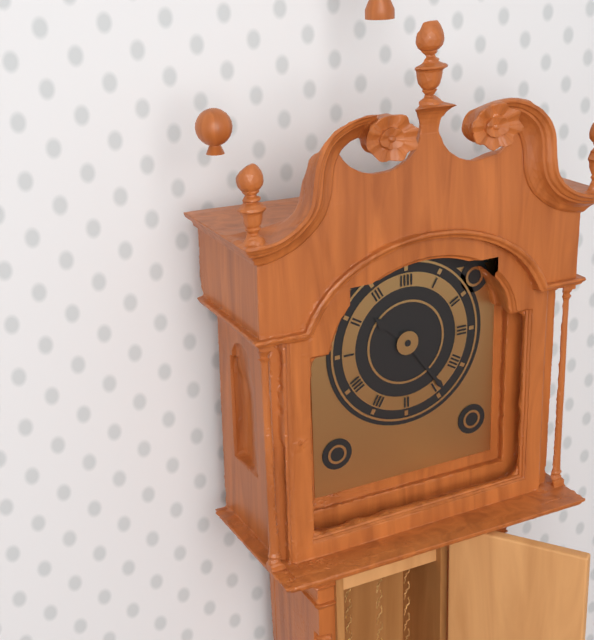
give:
10.24
